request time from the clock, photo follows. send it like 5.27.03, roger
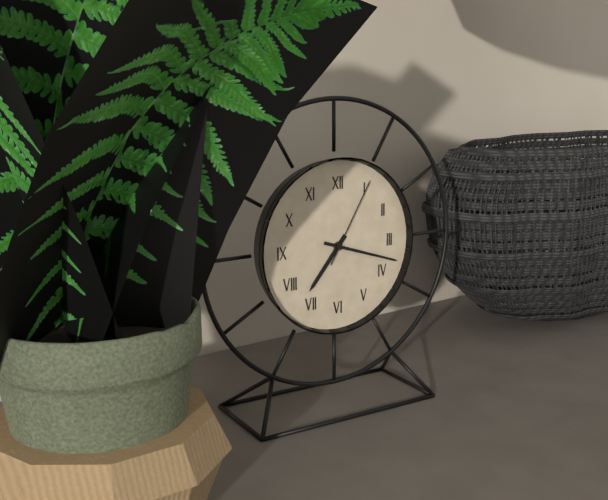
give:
7.18.05
